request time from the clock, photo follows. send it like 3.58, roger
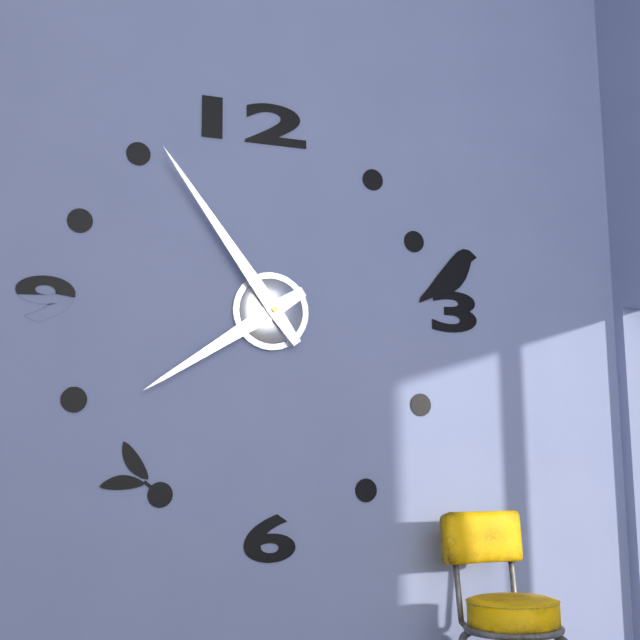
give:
7.54
